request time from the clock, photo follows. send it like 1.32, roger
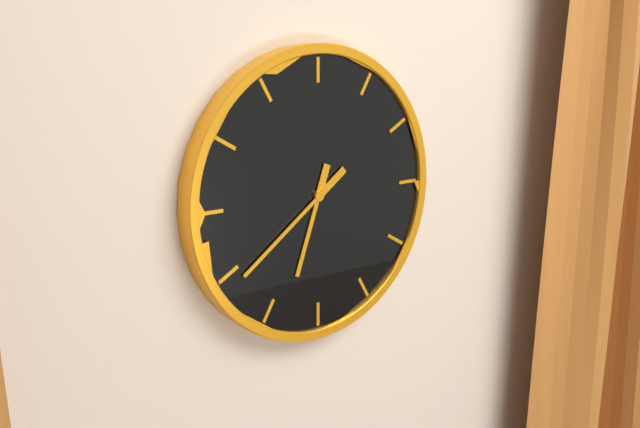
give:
6.39
